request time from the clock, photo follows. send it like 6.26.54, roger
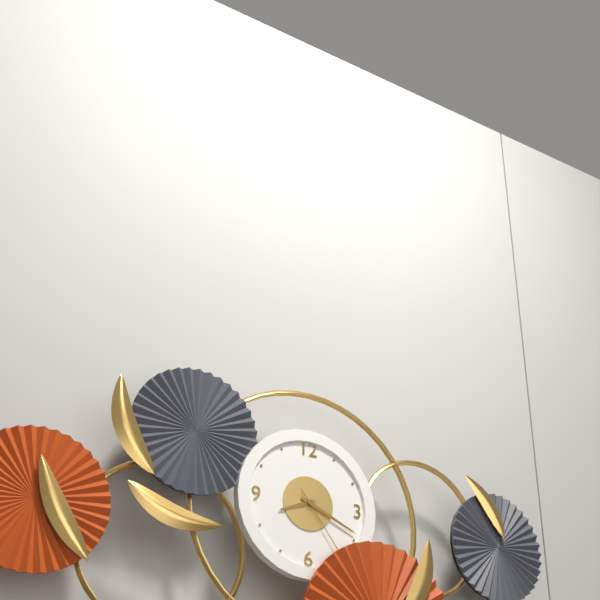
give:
8.19.24
